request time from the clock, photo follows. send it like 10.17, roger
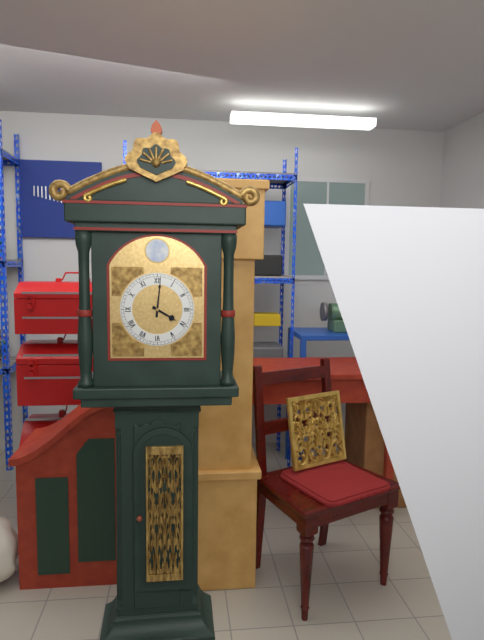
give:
4.01
